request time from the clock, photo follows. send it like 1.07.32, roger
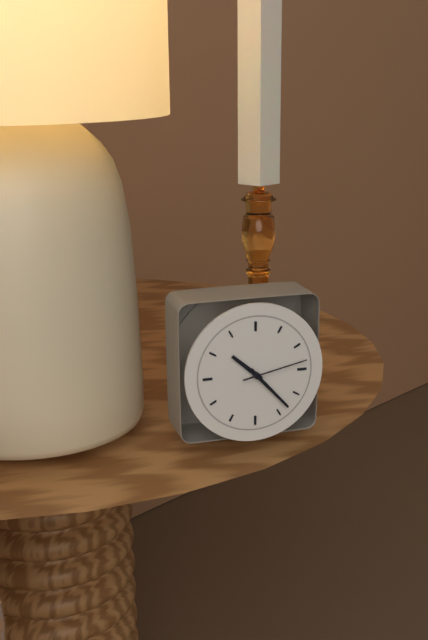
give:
10.23.13
